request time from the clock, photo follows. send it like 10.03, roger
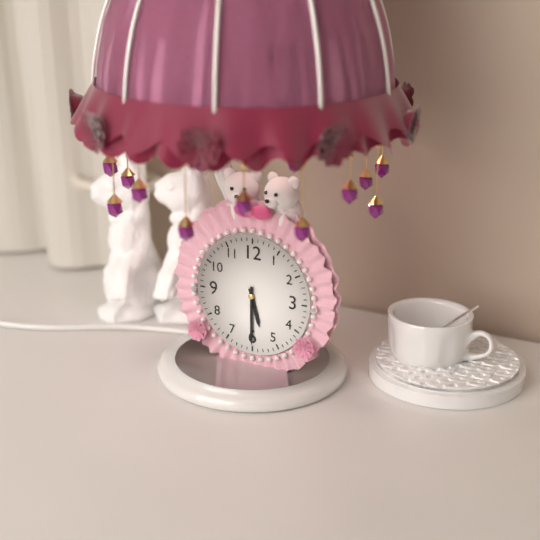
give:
5.30
